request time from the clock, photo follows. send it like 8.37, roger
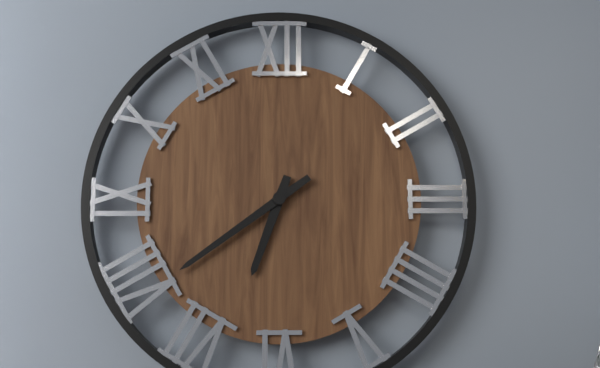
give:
6.39
